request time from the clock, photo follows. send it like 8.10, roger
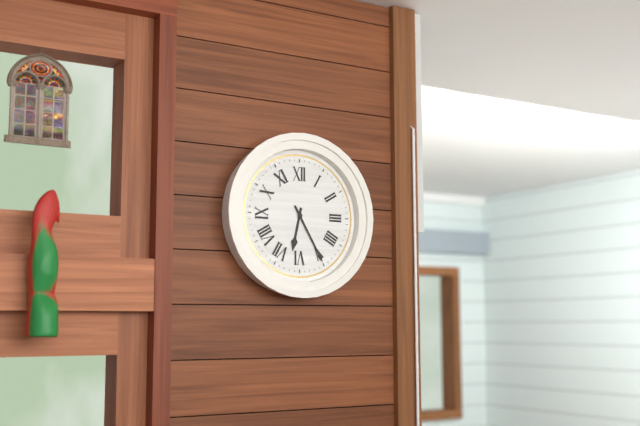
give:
6.25
